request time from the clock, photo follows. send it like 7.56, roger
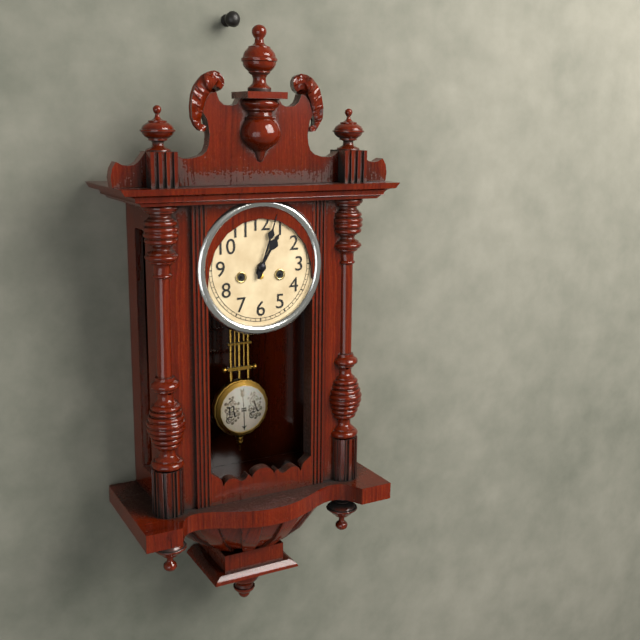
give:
1.03
